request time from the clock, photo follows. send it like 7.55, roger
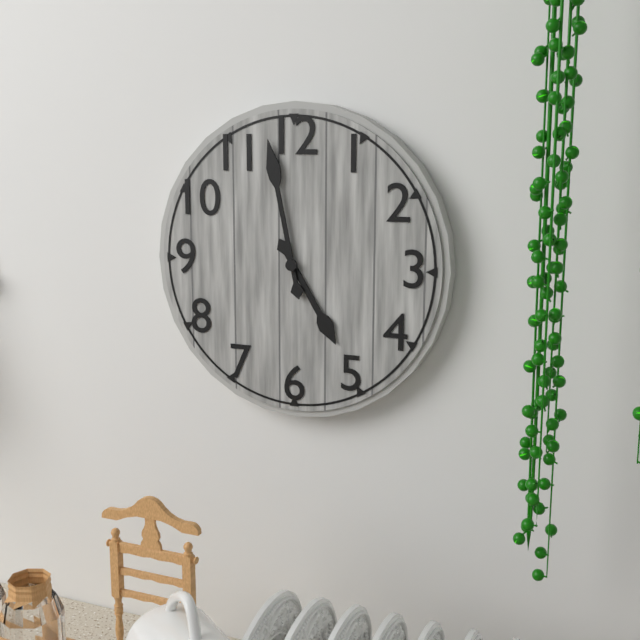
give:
4.58
